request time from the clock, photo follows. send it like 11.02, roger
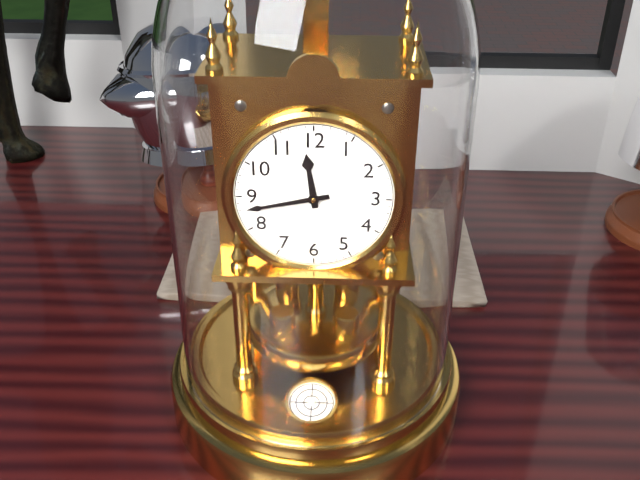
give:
11.43
